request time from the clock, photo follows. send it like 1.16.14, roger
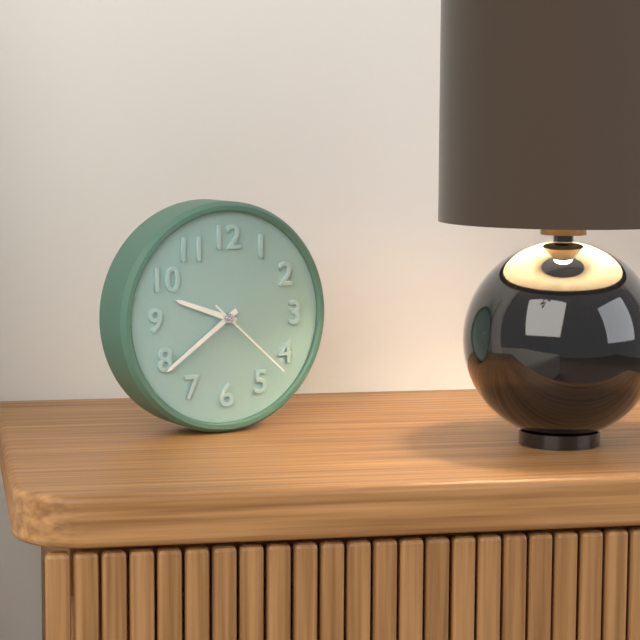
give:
9.39.22
